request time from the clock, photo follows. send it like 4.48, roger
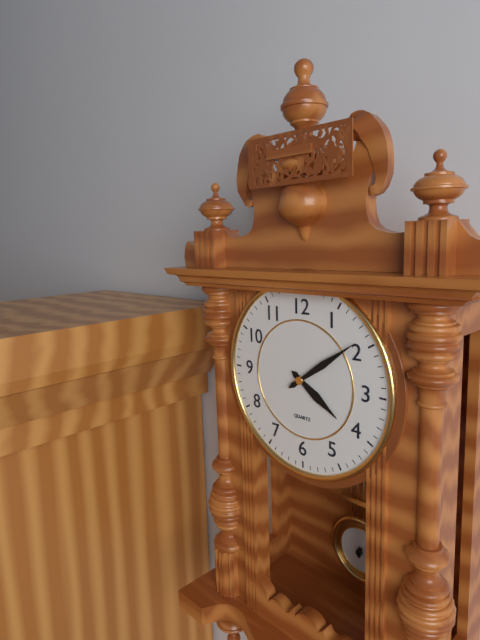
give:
4.09
